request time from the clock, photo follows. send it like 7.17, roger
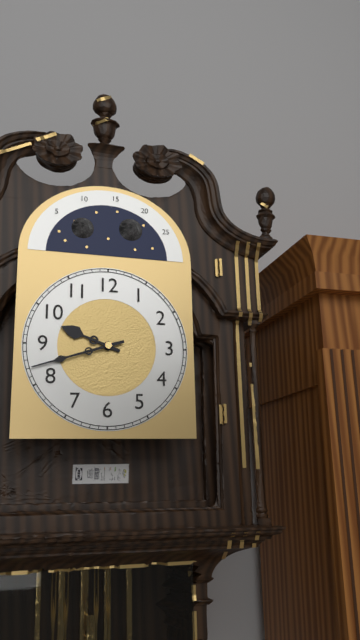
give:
9.42
